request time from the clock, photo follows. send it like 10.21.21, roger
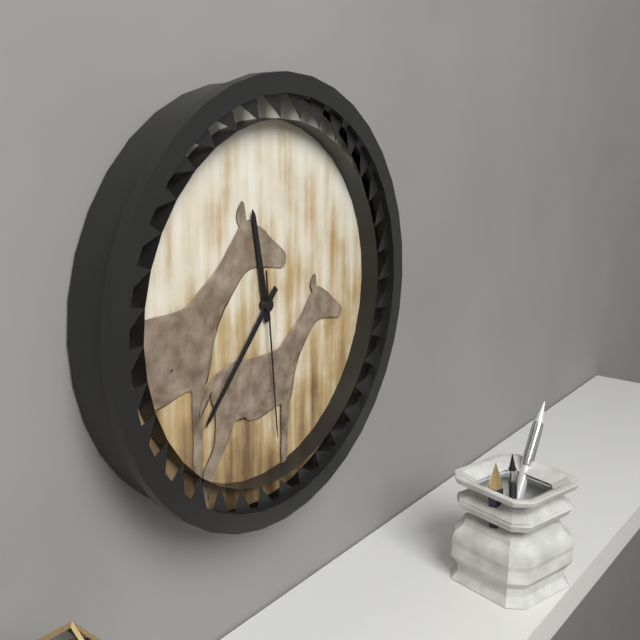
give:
11.37.29
